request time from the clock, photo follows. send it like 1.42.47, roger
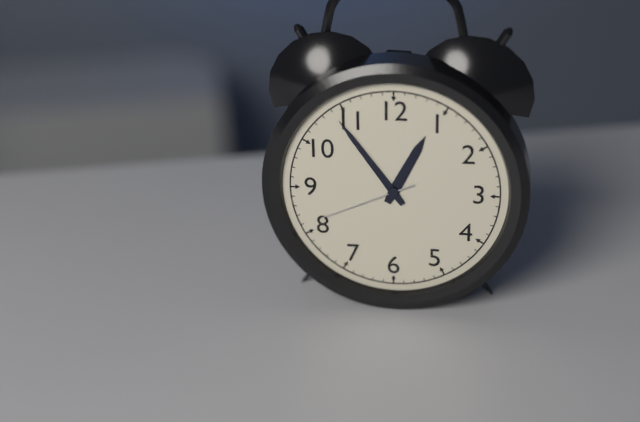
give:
12.54.41
